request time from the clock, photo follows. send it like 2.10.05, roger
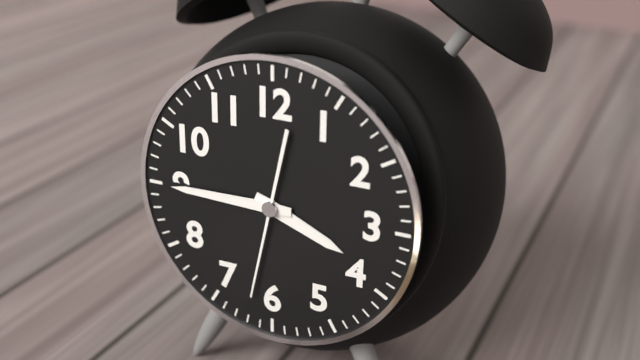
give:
3.45.32
